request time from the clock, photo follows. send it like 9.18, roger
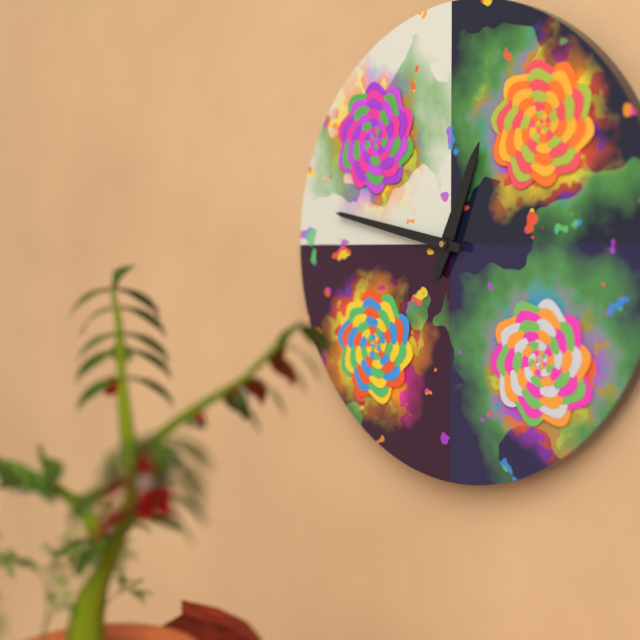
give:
12.47
